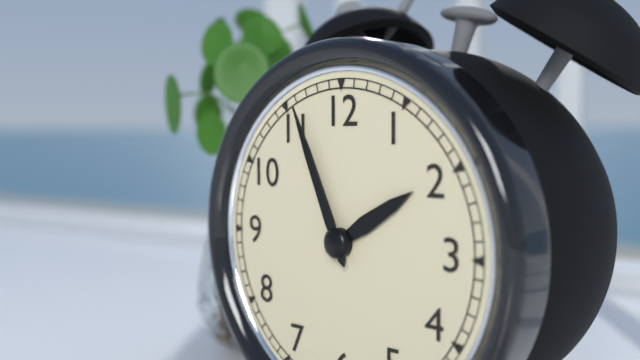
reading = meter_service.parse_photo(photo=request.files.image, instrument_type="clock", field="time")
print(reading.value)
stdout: 1:56
